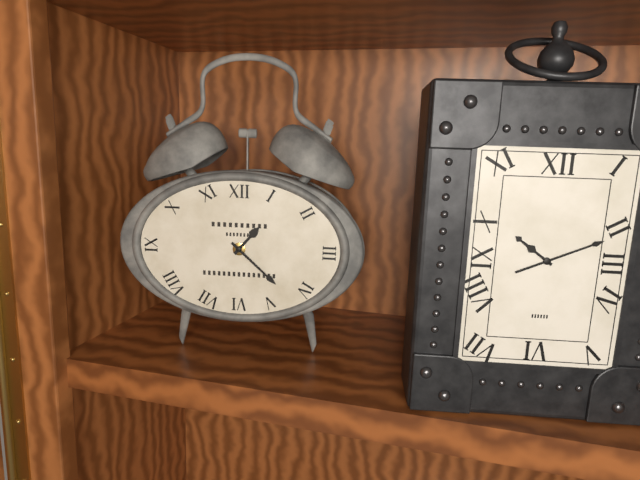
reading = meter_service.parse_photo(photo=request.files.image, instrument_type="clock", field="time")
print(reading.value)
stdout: 1:22
